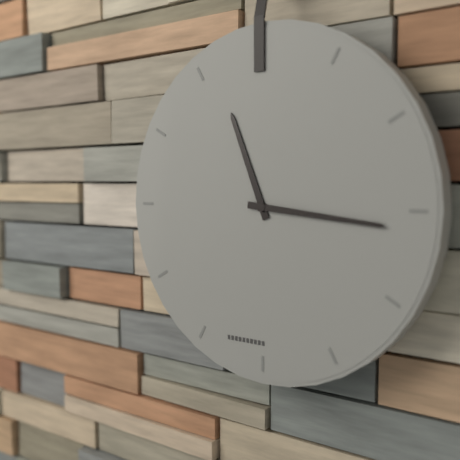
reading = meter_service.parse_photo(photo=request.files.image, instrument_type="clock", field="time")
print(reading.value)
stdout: 11:16
